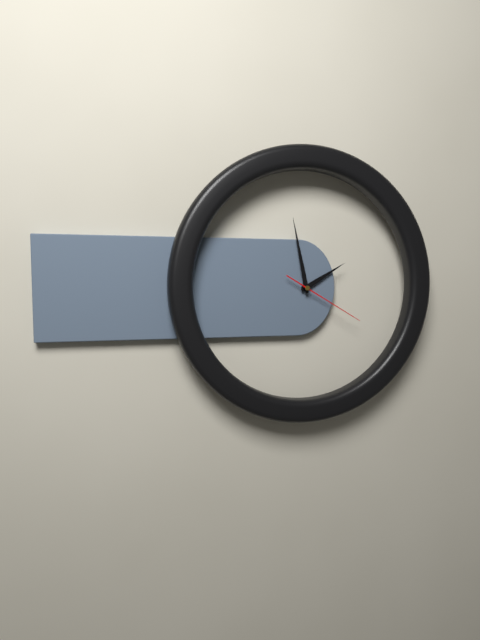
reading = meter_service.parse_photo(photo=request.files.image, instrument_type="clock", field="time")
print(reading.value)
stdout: 1:58:20
